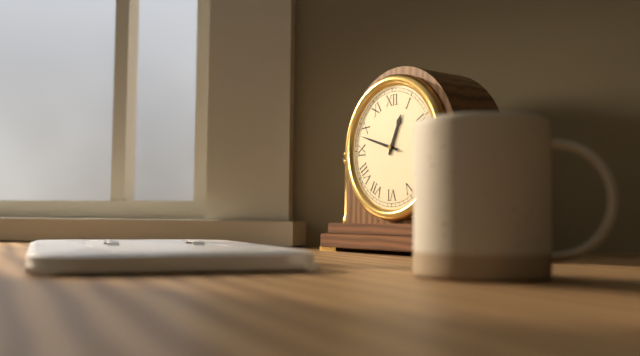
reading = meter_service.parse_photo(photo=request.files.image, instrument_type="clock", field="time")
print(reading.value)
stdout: 12:48
